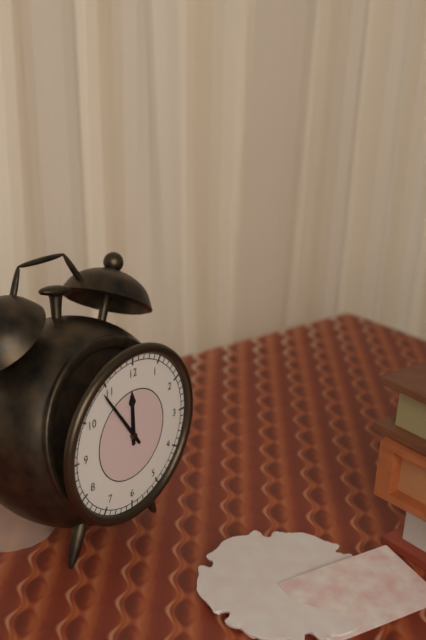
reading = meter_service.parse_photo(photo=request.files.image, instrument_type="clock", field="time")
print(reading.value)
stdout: 11:54
